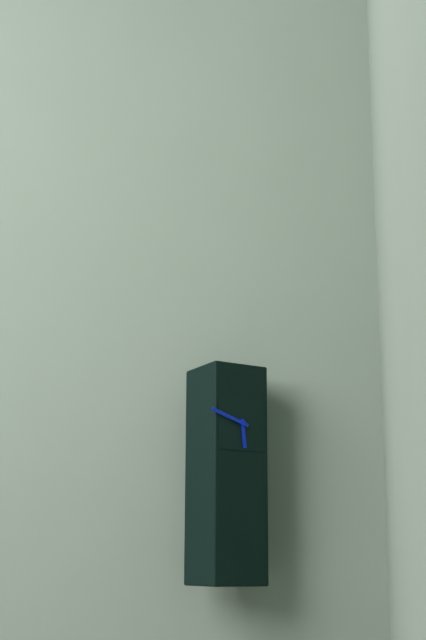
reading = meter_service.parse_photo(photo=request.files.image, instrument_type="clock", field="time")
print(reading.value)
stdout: 5:48
